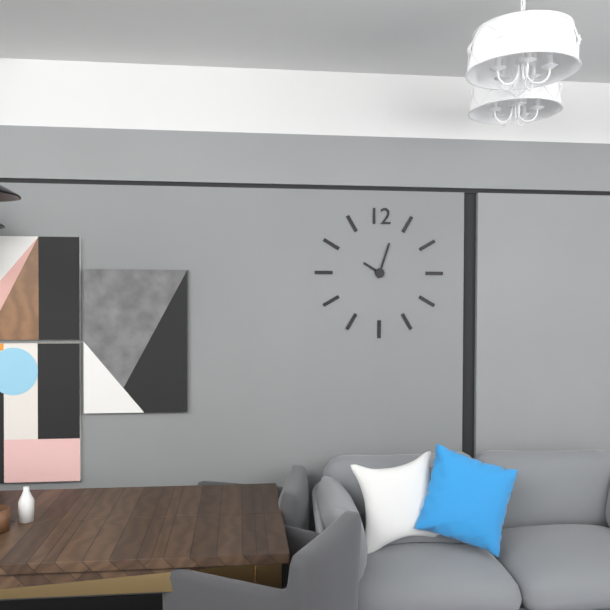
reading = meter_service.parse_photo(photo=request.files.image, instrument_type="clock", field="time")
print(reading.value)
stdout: 10:03
